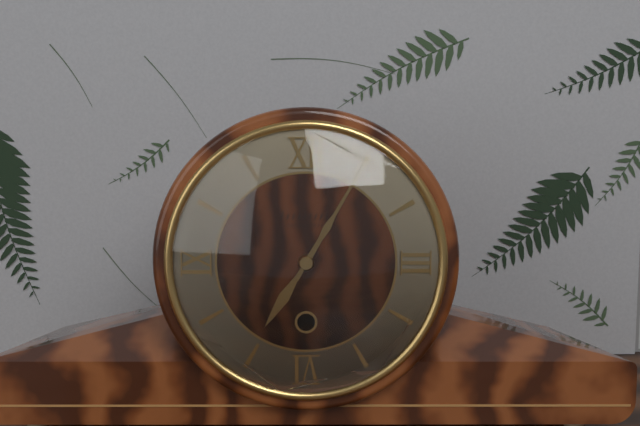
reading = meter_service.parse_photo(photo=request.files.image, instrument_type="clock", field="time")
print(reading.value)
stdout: 7:05
